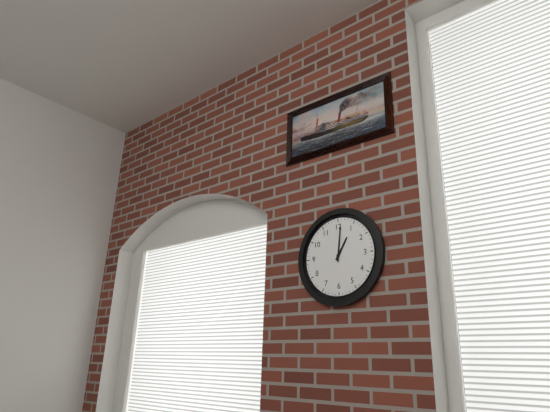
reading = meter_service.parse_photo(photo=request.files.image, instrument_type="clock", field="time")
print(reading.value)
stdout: 1:01
